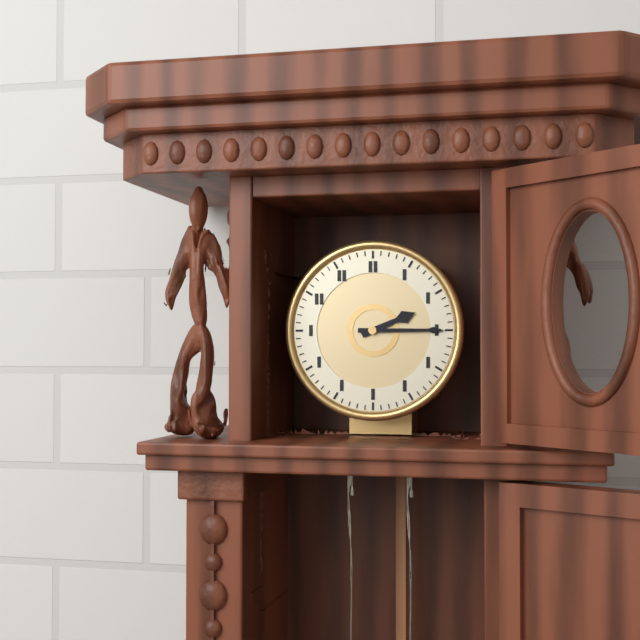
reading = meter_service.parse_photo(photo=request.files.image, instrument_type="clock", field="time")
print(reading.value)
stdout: 2:15
